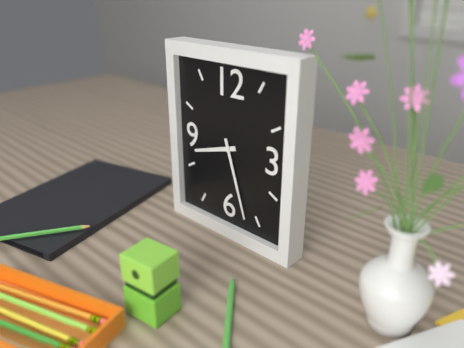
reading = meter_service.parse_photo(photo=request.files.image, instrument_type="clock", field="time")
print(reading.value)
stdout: 8:27
